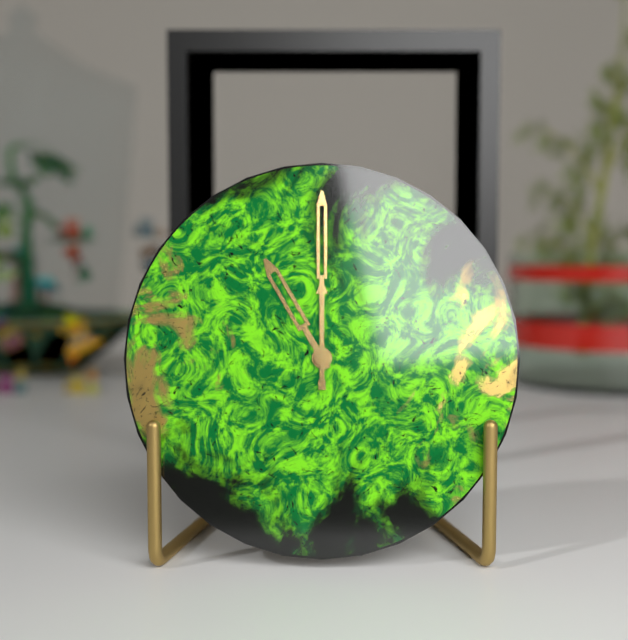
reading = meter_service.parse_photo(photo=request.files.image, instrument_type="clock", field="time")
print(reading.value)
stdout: 11:00
